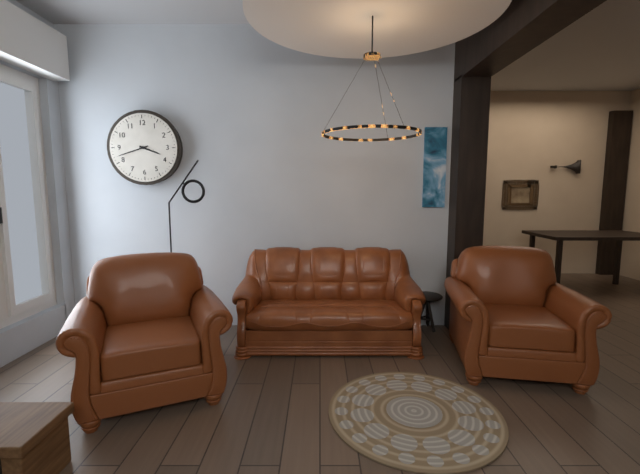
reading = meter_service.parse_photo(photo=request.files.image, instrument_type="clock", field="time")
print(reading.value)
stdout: 3:42
